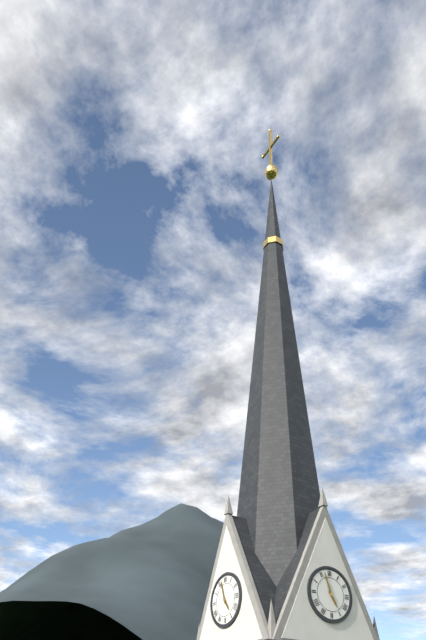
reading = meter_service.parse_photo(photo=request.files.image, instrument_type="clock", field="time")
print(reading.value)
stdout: 4:57
